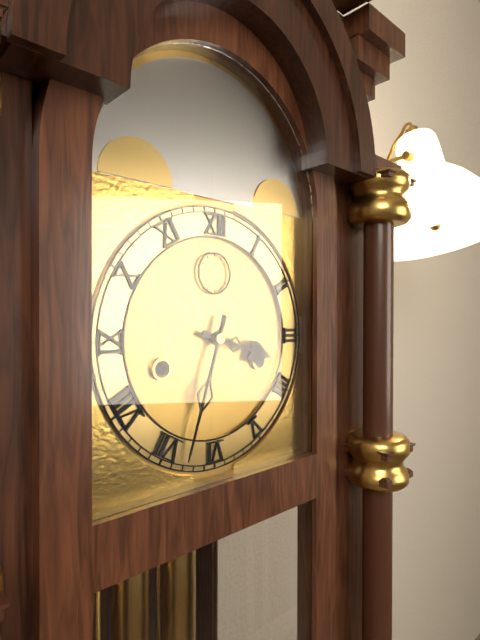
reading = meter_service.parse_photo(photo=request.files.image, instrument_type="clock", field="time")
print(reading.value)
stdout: 3:33
